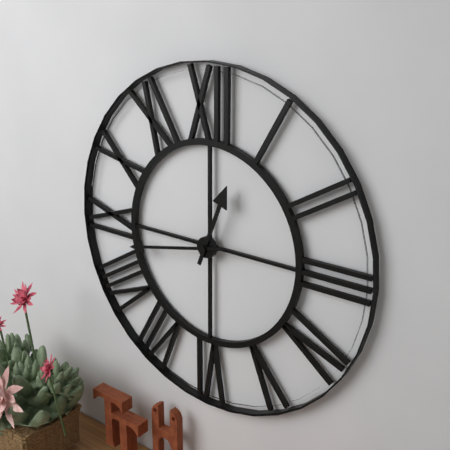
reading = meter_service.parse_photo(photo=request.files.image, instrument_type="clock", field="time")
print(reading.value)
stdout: 12:43
